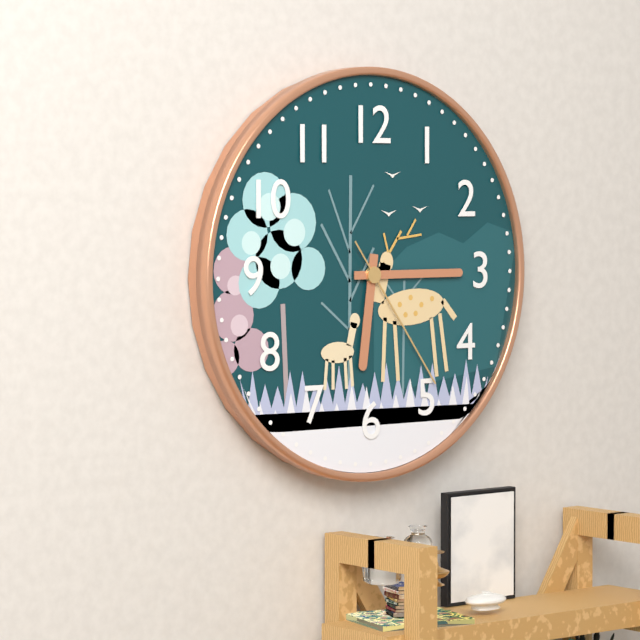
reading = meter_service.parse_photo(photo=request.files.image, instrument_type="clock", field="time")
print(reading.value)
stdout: 6:15:24
